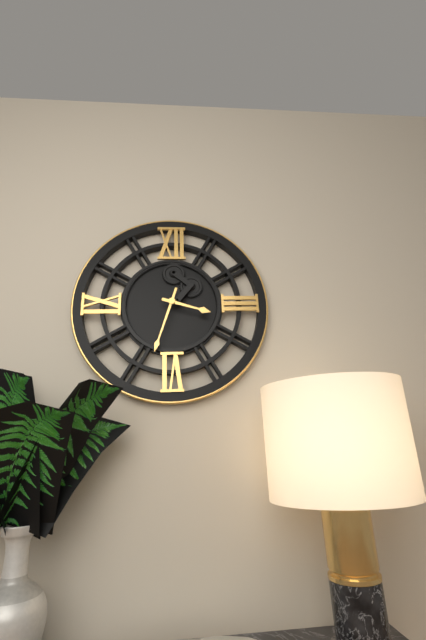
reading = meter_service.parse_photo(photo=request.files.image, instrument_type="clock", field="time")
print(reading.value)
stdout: 3:33
